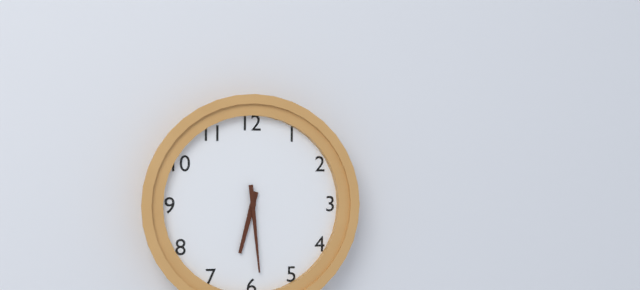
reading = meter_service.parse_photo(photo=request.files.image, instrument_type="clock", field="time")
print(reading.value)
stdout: 6:29
